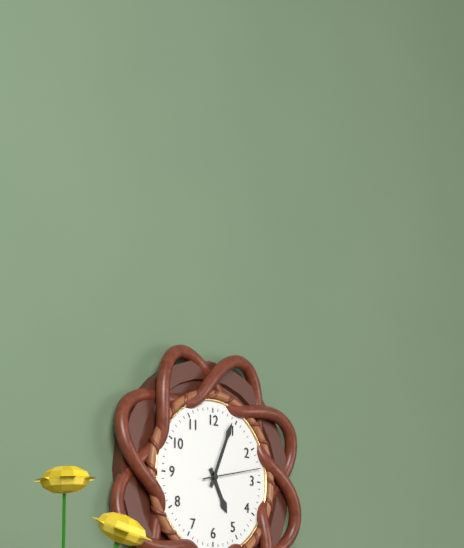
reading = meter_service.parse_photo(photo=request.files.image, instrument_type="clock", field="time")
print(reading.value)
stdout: 5:04:13
